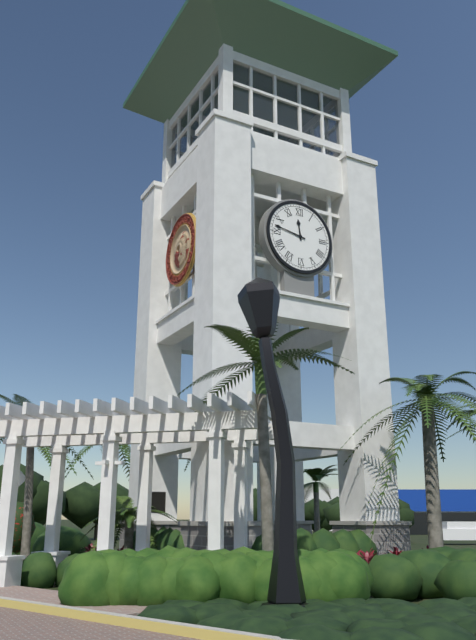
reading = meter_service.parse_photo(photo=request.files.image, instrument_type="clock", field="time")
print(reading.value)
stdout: 11:47
